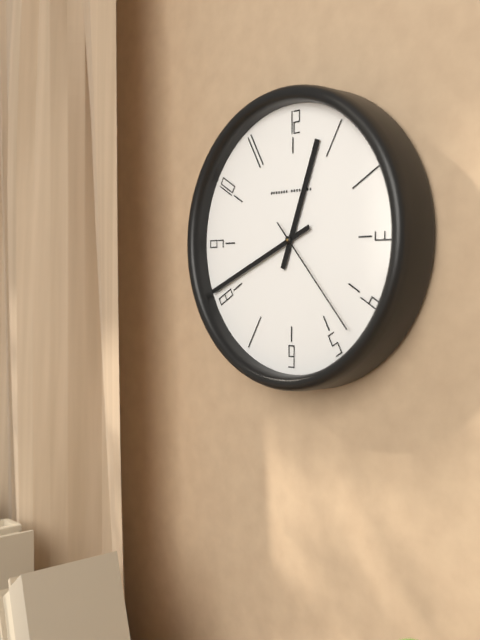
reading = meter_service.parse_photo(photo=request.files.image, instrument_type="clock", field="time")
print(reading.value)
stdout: 12:41:23
